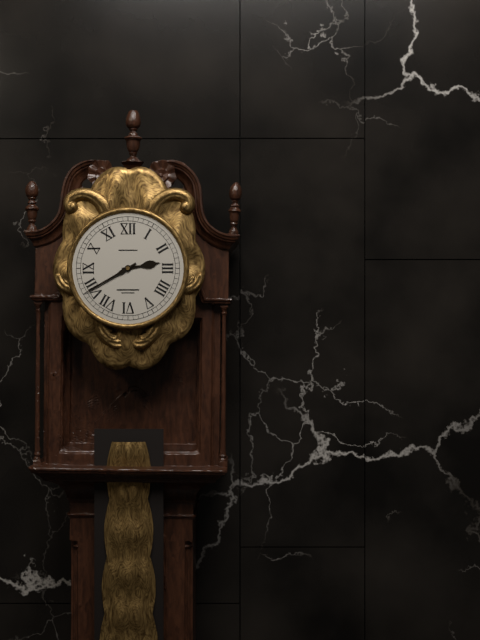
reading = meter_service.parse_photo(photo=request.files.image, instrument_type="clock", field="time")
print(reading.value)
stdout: 2:40
